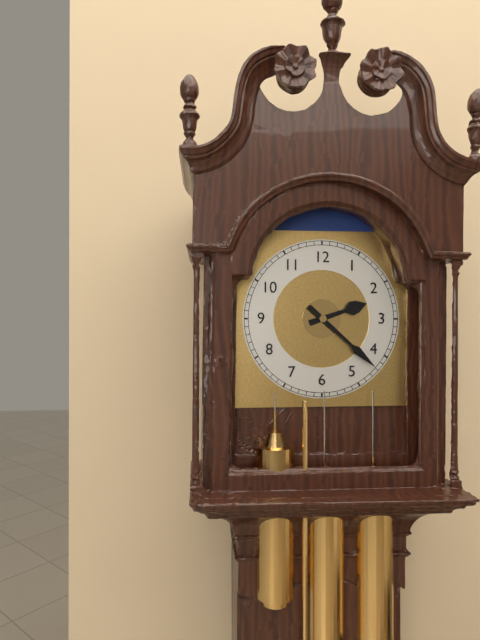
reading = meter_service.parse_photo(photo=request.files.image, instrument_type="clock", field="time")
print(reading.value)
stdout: 2:22
